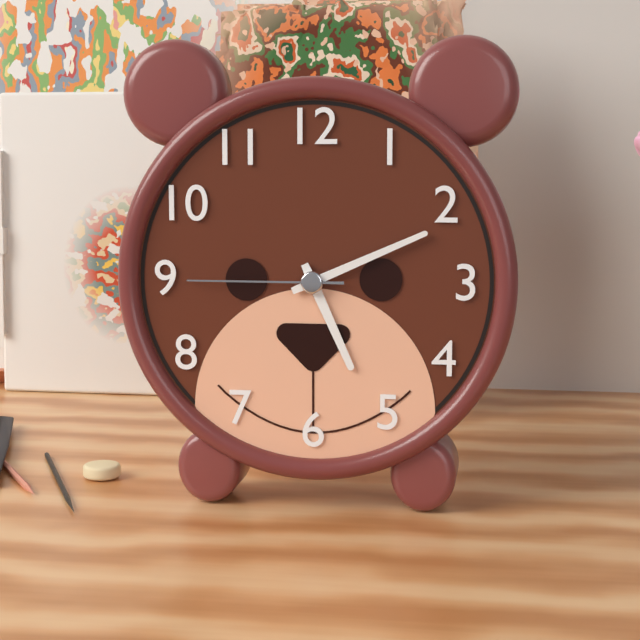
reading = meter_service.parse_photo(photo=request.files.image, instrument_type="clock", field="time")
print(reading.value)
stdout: 5:11:45
